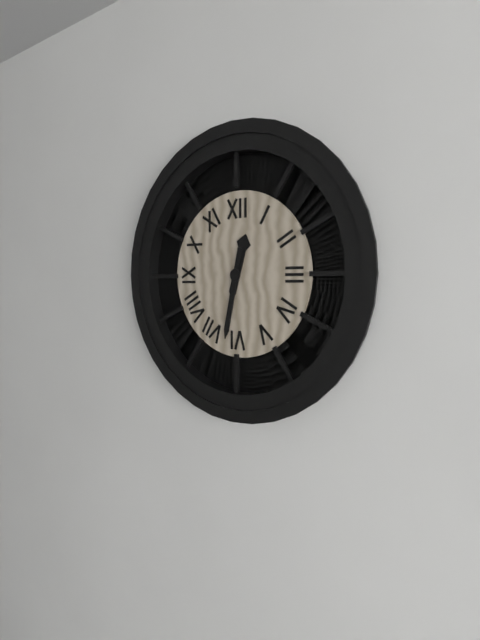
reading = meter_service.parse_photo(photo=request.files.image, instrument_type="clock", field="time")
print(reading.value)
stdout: 12:32
